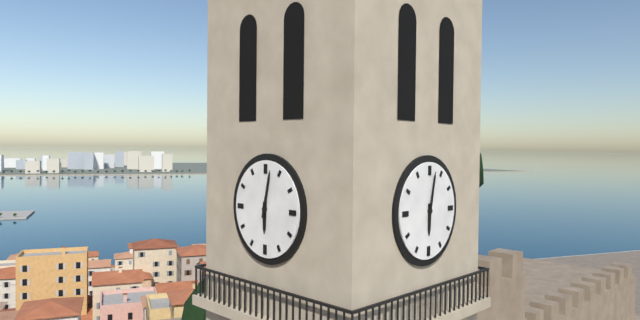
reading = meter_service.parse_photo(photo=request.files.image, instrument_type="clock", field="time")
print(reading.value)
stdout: 6:02
